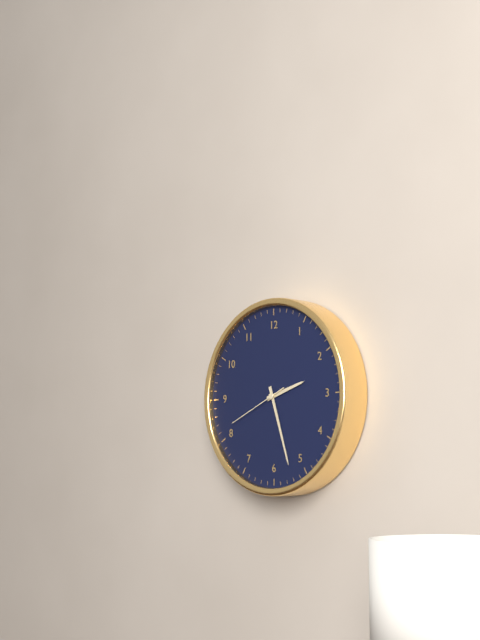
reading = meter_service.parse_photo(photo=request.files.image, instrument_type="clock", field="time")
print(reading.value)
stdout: 2:27:41
